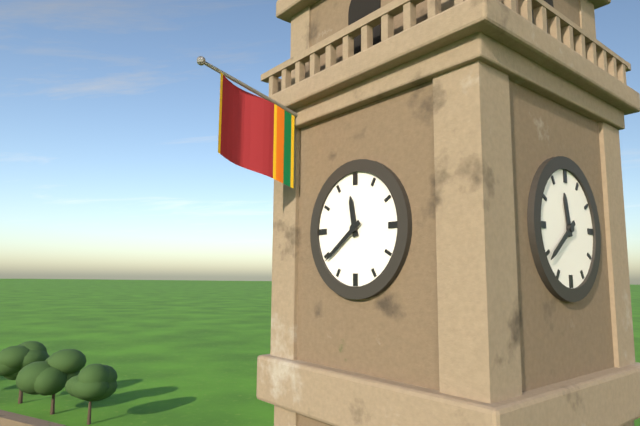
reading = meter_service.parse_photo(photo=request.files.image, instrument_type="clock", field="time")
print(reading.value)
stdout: 11:39
